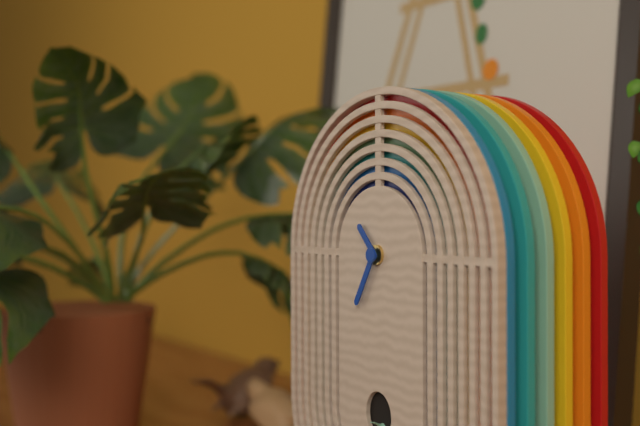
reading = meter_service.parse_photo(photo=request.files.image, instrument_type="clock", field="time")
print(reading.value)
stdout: 10:35
